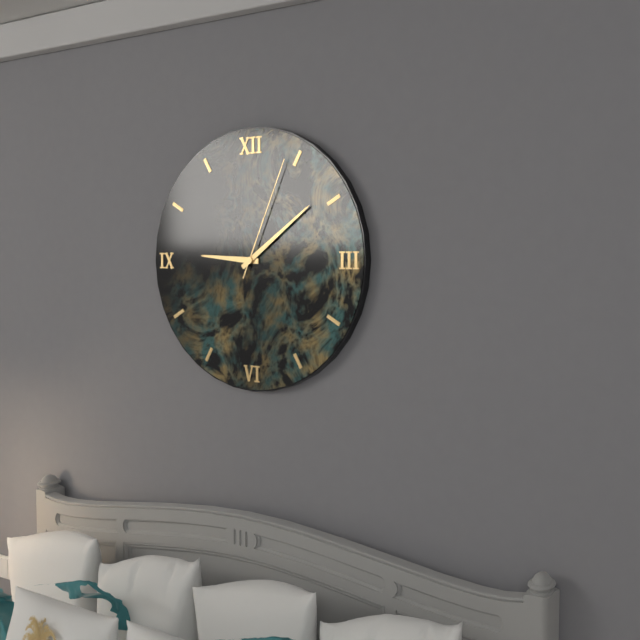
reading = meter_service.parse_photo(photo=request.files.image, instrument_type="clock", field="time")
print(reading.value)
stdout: 9:09:04
